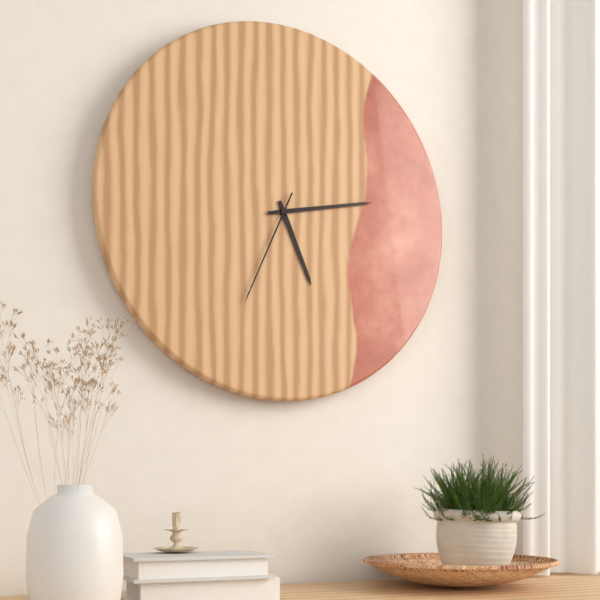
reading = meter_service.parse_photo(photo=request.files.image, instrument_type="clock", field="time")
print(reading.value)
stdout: 5:13:34
